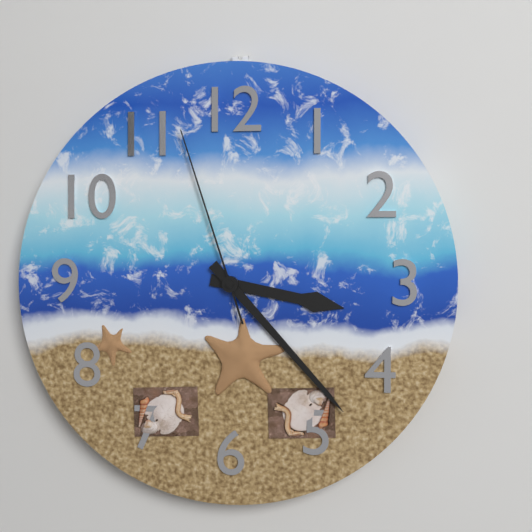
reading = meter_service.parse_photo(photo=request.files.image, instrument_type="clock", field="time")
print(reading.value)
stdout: 3:23:57
